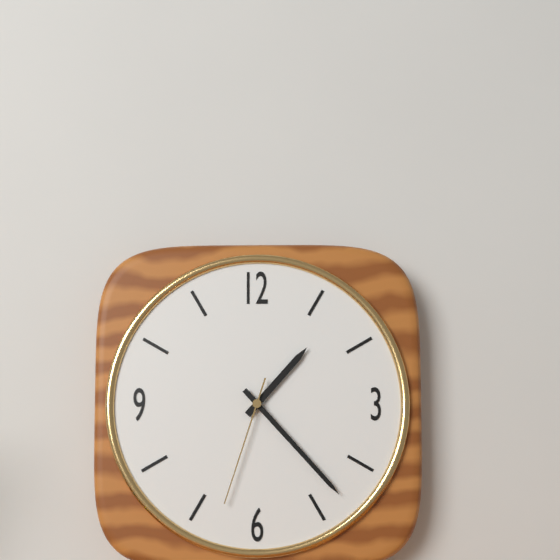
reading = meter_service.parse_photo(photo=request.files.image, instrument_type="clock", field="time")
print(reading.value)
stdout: 1:23:33
